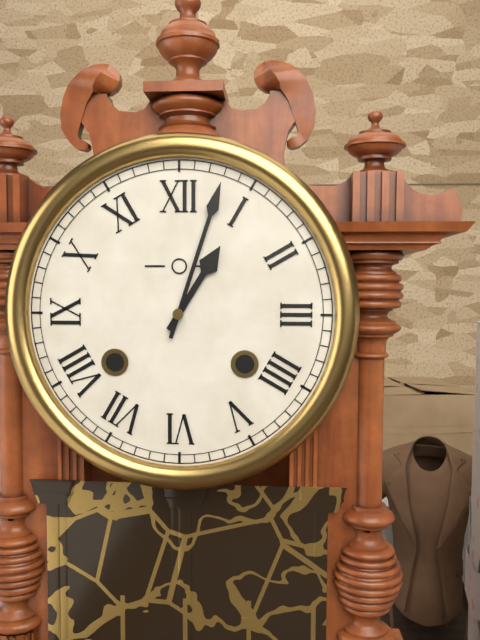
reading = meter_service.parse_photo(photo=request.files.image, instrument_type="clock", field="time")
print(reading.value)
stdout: 1:03
